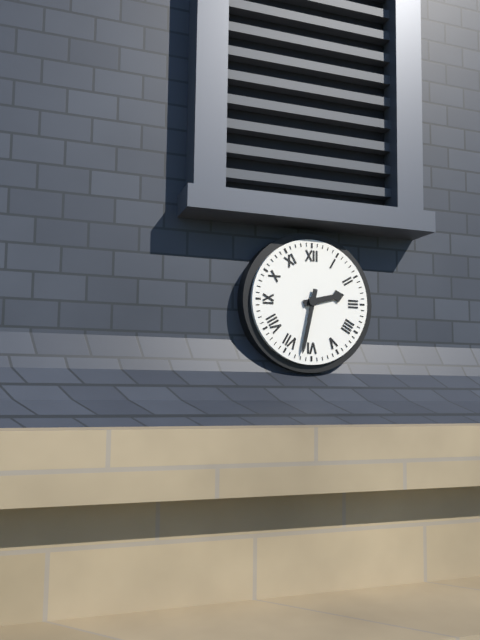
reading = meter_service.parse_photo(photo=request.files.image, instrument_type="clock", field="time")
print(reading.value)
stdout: 2:32
